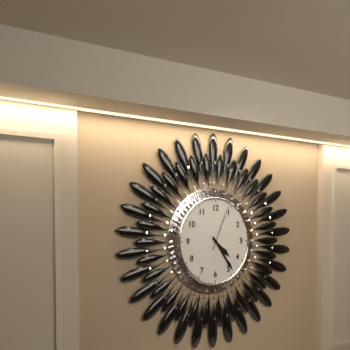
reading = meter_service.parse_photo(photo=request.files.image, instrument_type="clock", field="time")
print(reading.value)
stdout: 4:24
